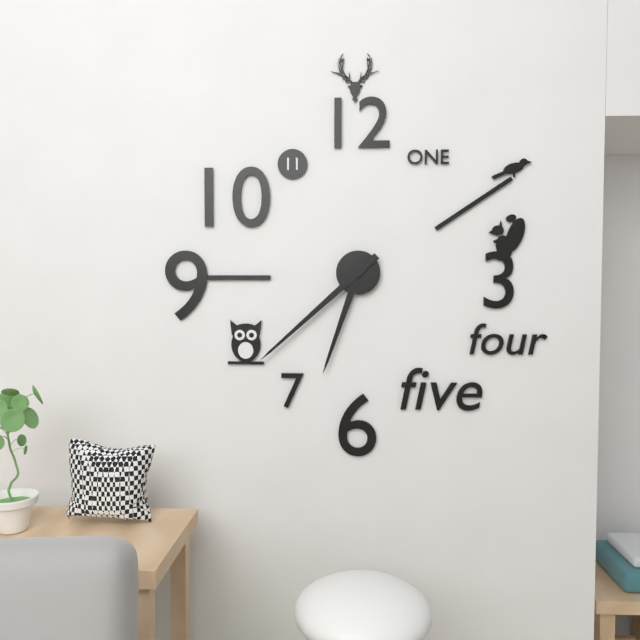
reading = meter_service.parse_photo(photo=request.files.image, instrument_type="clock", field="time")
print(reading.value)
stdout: 6:38
